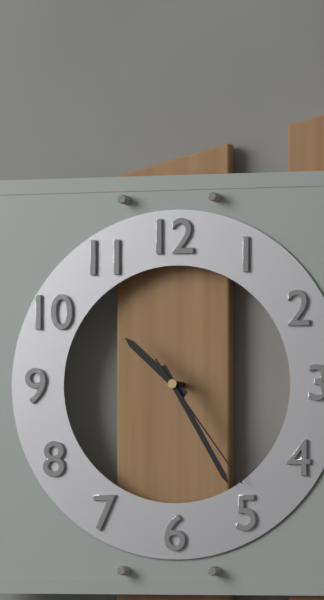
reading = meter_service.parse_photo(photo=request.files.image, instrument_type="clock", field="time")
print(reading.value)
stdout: 10:25:24
